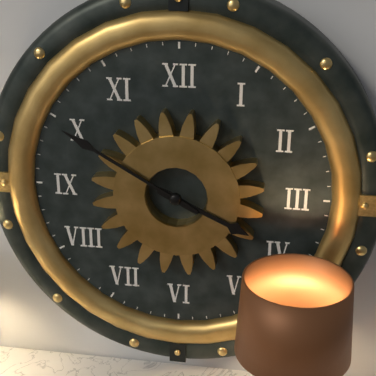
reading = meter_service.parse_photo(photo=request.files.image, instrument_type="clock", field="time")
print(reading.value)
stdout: 3:50
